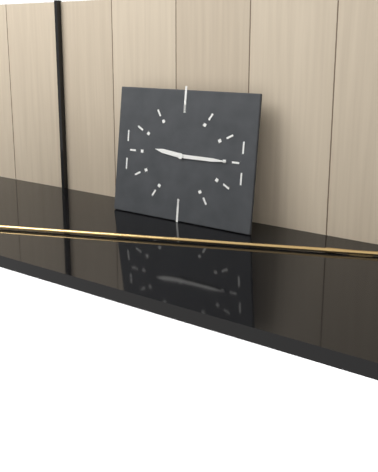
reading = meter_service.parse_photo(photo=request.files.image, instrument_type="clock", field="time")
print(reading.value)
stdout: 9:15
